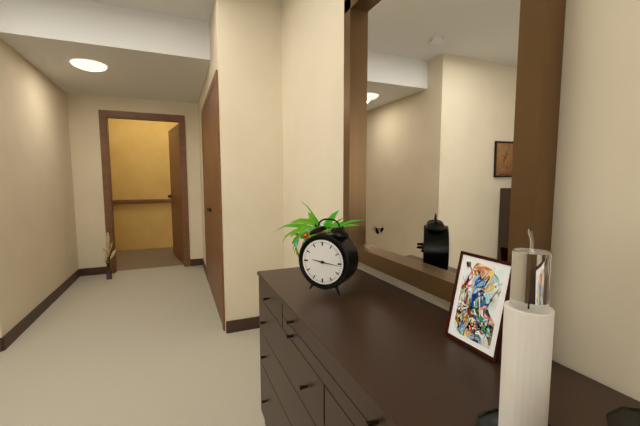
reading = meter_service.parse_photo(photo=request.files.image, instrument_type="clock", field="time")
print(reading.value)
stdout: 9:16
